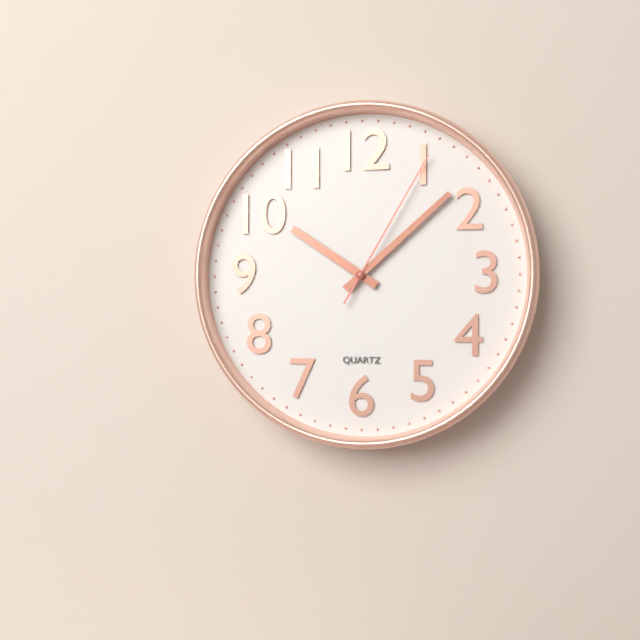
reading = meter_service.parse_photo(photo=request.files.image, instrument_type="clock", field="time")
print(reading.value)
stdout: 10:08:05
